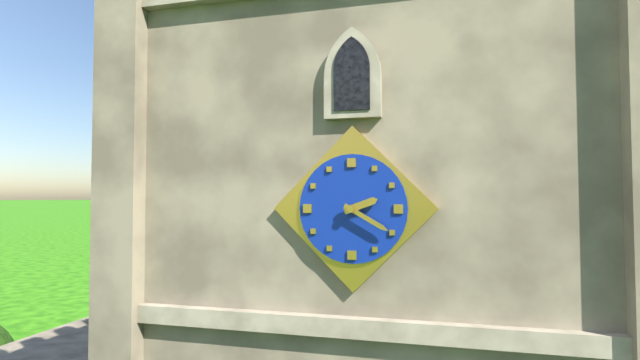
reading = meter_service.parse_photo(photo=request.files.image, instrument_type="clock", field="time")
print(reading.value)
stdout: 2:20
